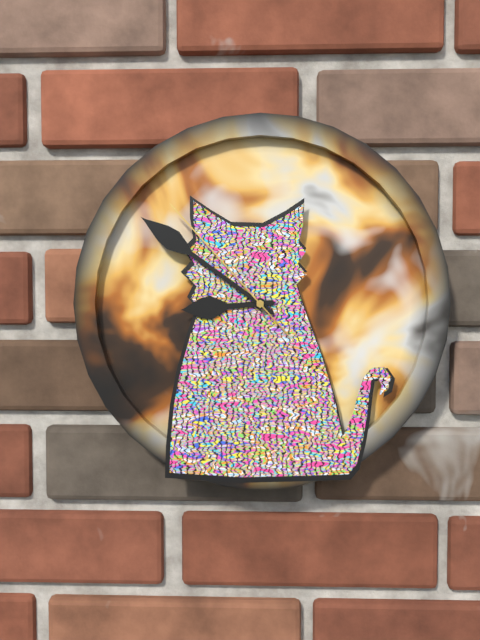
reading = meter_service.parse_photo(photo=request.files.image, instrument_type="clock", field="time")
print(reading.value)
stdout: 8:51:53
